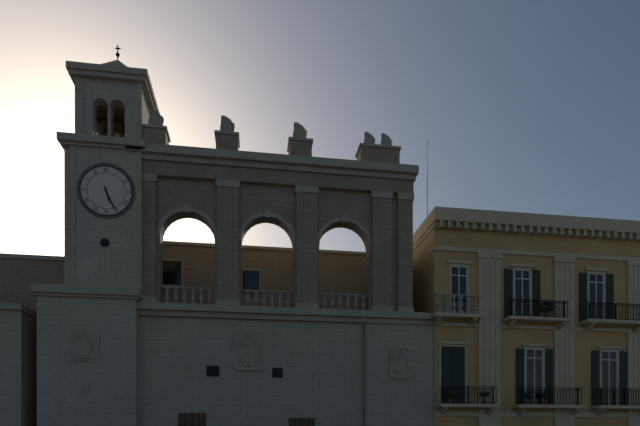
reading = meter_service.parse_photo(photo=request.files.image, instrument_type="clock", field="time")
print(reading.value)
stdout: 5:26
